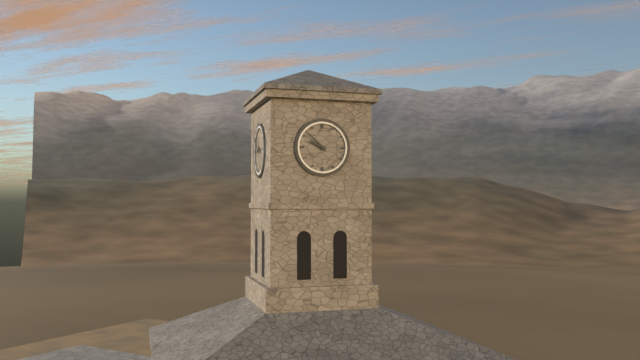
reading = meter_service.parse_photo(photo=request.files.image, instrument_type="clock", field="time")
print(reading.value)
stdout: 9:52
